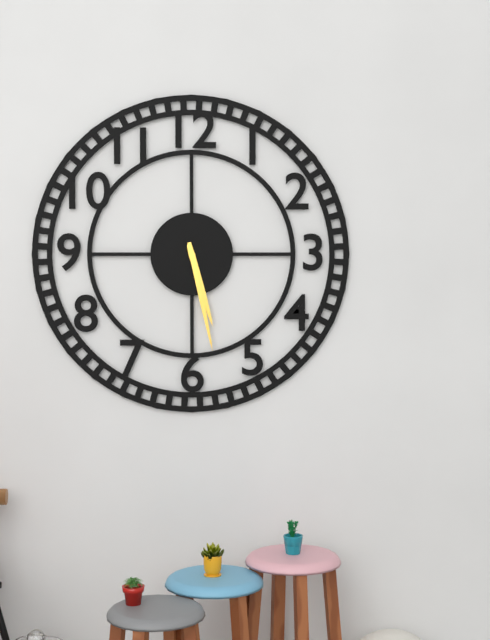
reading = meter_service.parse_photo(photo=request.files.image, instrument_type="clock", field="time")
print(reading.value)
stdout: 5:28
